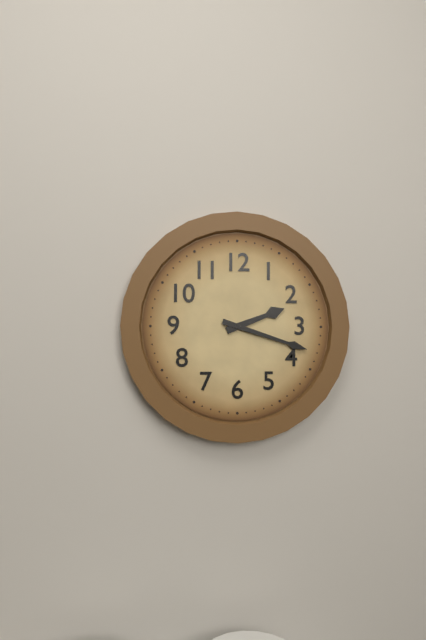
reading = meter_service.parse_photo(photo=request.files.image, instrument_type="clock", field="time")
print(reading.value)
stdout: 2:18
